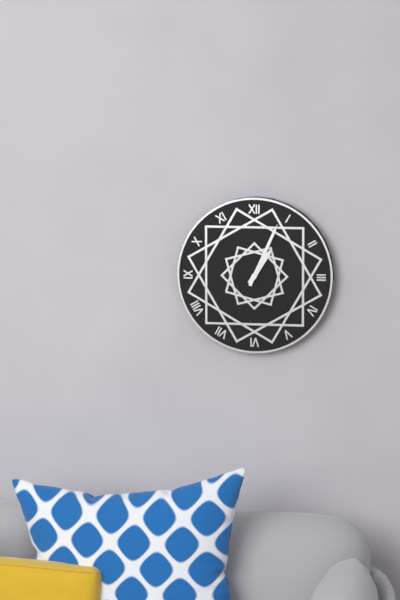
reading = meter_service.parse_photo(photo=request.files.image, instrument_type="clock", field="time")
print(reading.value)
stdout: 1:04
